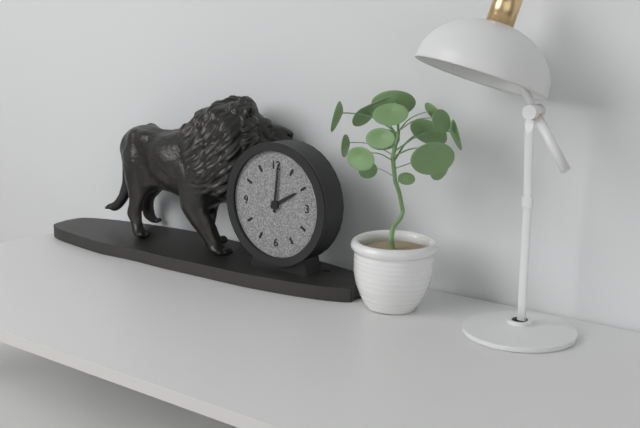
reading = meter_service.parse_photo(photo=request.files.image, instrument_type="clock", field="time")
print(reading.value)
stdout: 2:01
